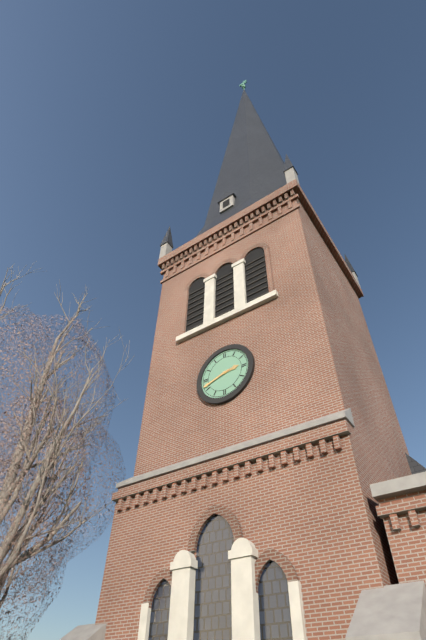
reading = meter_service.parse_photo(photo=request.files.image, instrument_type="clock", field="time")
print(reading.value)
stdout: 2:42
